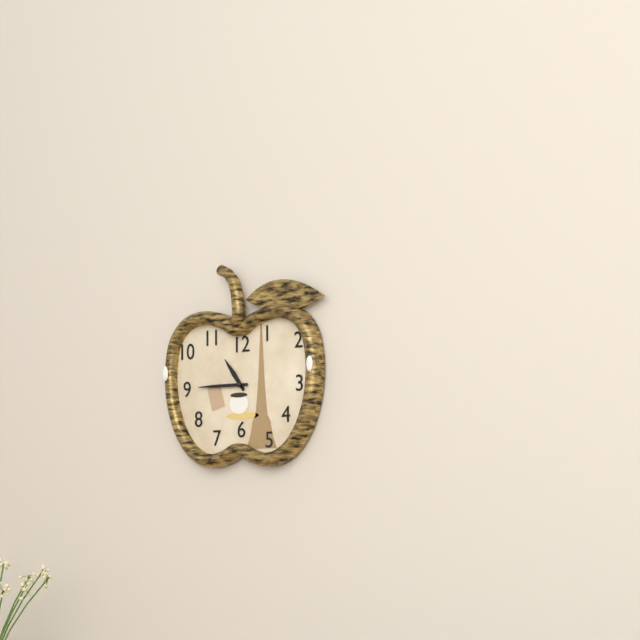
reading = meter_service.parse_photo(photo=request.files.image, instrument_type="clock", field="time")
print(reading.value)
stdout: 10:45
